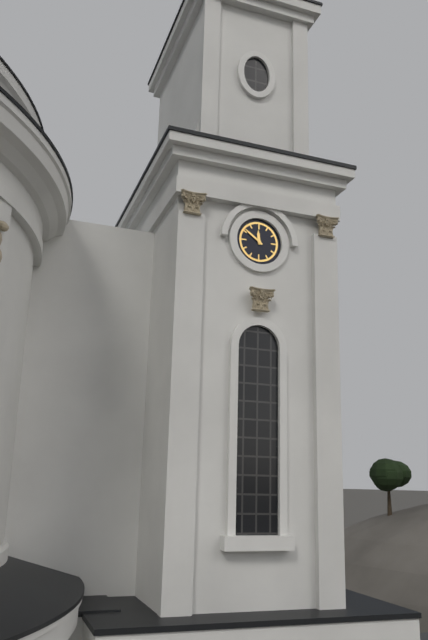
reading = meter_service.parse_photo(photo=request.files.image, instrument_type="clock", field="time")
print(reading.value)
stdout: 11:51
